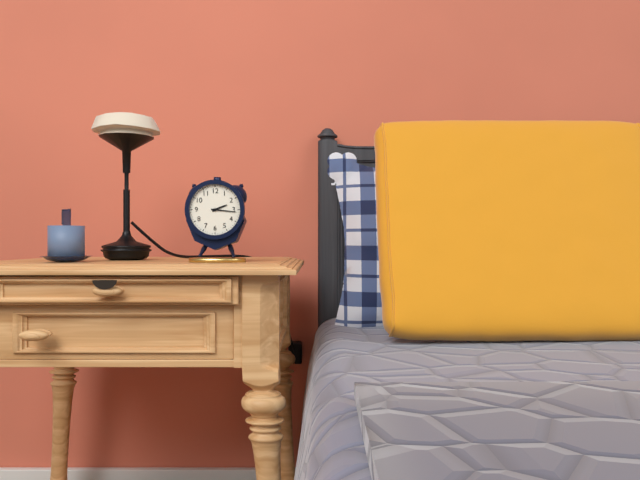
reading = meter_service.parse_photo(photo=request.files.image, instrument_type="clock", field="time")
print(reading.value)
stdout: 2:16
